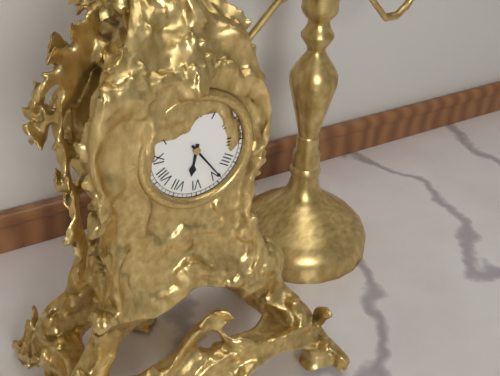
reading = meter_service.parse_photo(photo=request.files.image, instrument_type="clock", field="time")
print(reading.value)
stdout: 6:24
